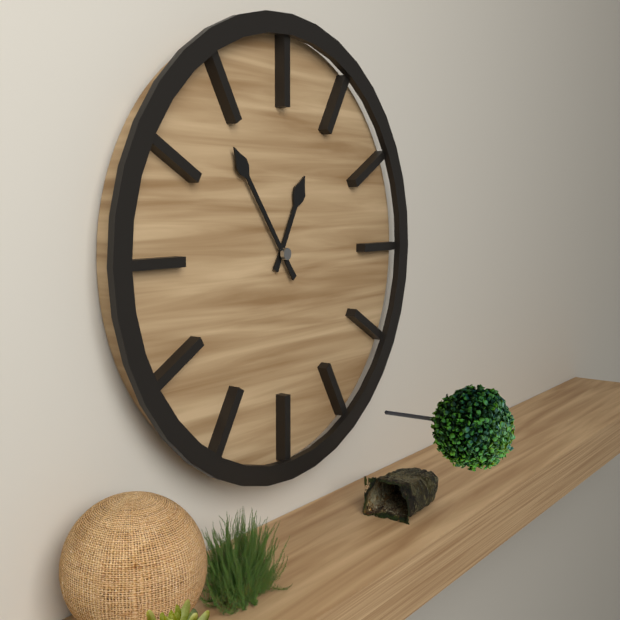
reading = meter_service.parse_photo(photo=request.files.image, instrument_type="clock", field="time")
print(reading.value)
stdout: 12:54
